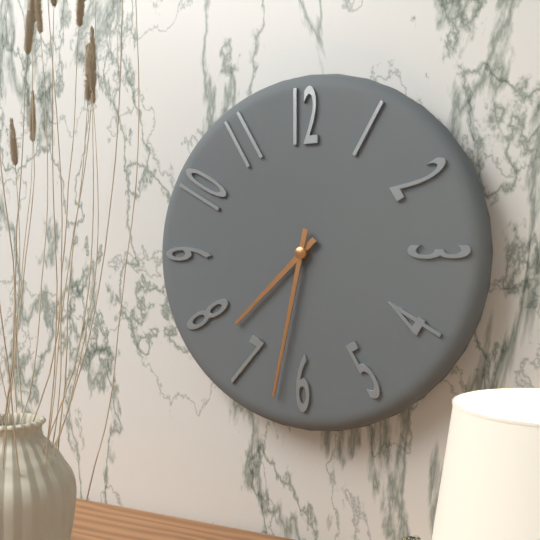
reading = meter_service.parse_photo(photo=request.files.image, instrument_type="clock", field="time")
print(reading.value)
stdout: 7:32
